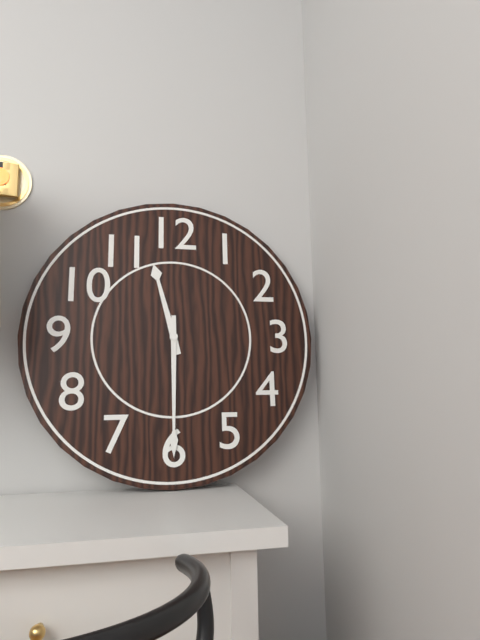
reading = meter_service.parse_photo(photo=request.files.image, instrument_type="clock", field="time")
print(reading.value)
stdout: 11:30
